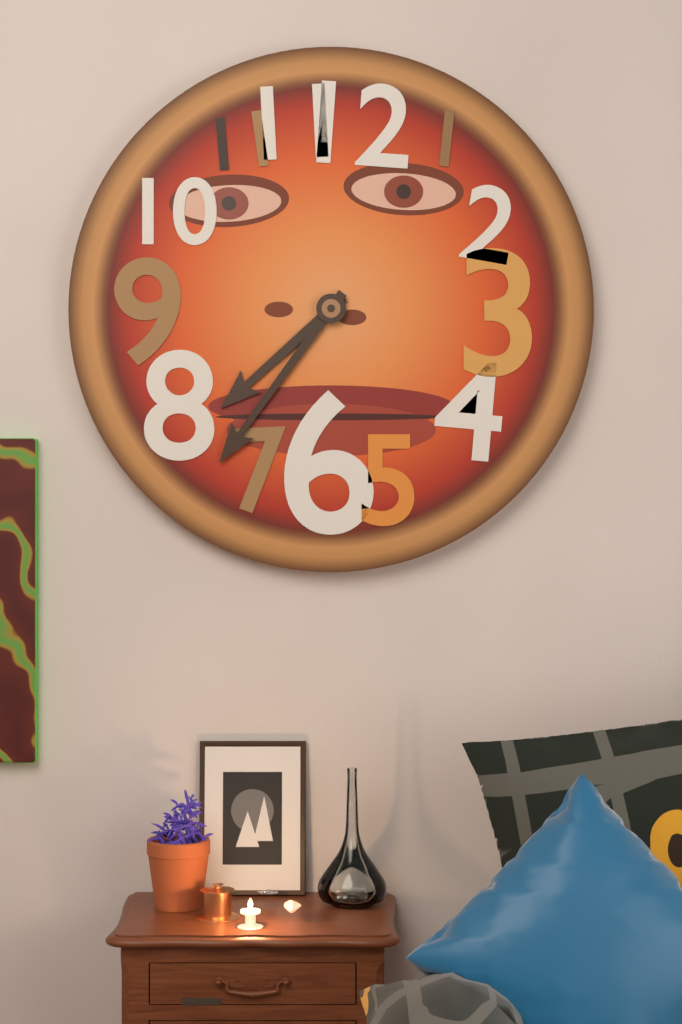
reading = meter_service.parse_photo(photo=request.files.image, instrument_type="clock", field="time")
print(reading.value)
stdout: 7:36
